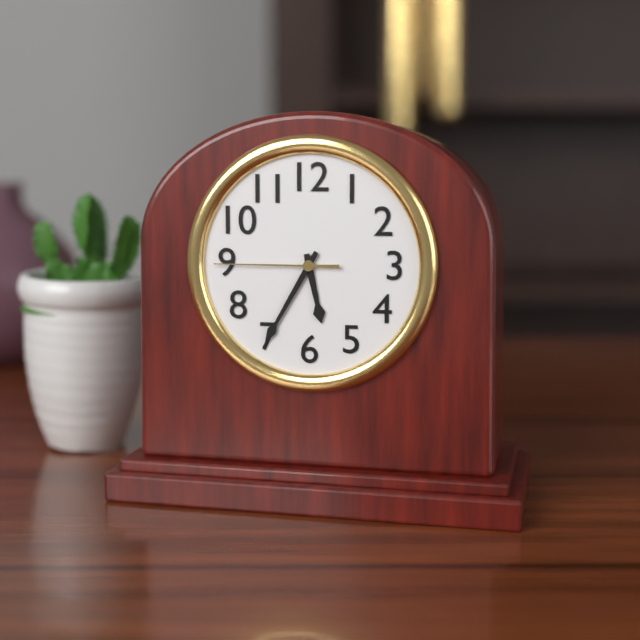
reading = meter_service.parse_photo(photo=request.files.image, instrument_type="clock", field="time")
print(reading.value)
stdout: 5:35:45
